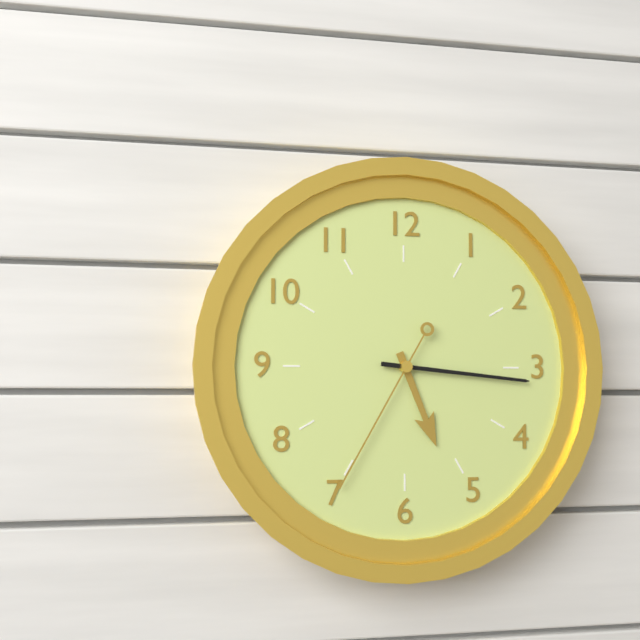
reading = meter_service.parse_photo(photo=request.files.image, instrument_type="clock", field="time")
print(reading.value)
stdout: 5:16:35
